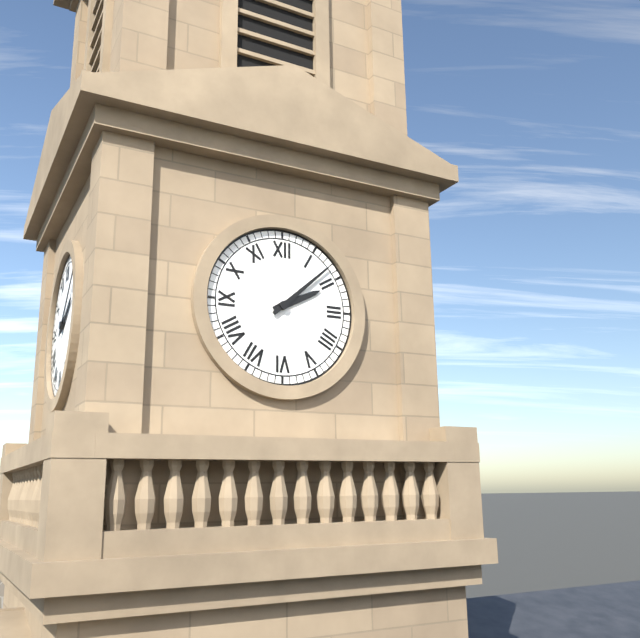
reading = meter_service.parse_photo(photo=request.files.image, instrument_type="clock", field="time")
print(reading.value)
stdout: 2:08
